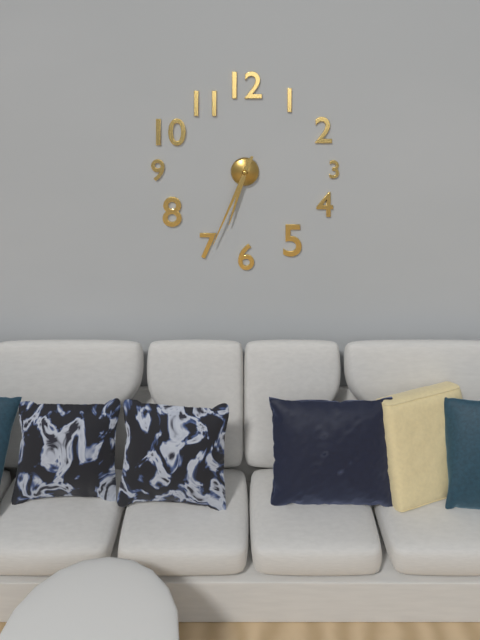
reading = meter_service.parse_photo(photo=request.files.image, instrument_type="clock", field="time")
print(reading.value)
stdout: 6:34
